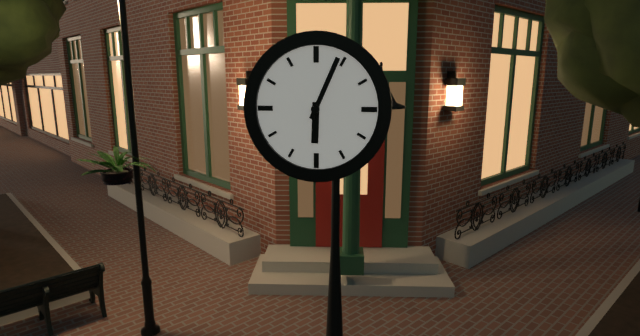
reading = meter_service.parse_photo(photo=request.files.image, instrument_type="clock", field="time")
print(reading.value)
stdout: 6:04
